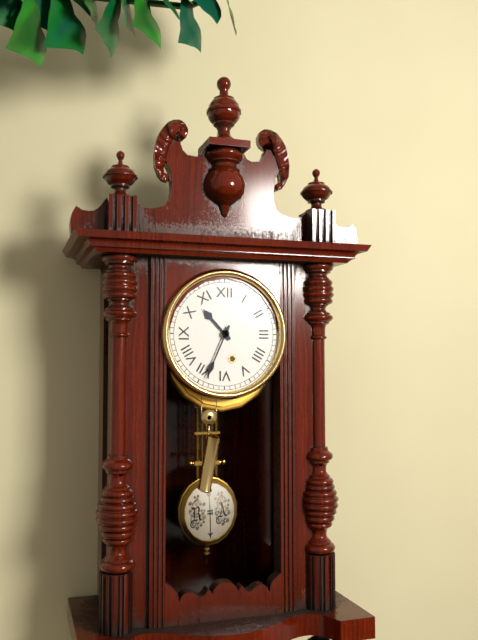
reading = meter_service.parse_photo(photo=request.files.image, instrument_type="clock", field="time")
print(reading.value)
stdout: 10:34
